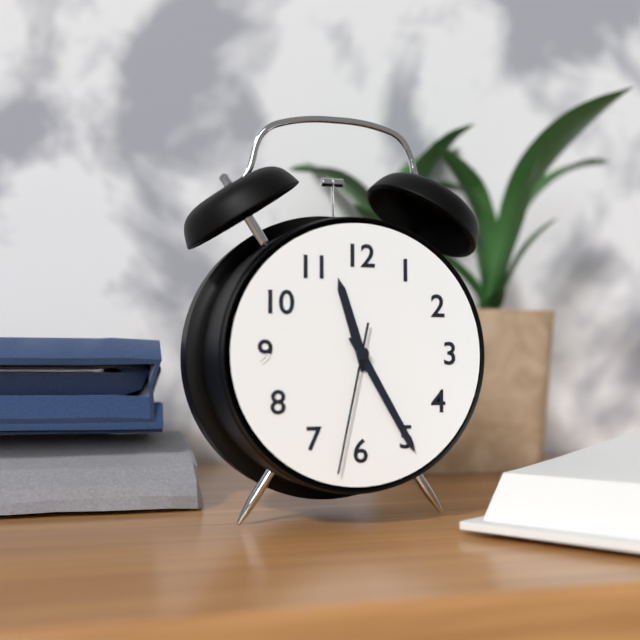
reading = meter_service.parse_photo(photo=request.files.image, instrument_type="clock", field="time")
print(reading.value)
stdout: 11:25:32
